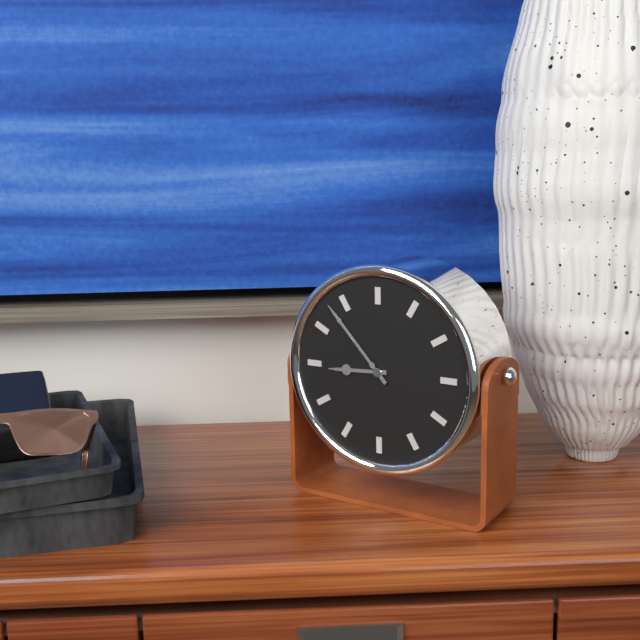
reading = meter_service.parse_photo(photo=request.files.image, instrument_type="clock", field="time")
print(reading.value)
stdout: 8:53
